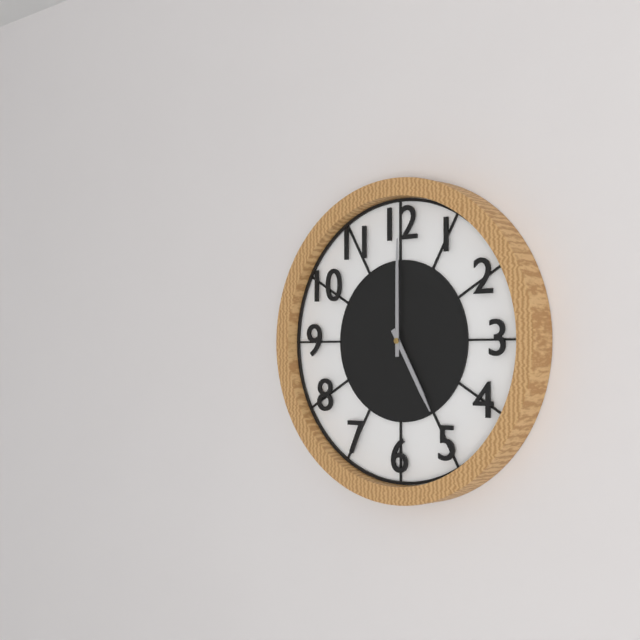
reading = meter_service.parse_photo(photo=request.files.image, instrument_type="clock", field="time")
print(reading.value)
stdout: 5:00
